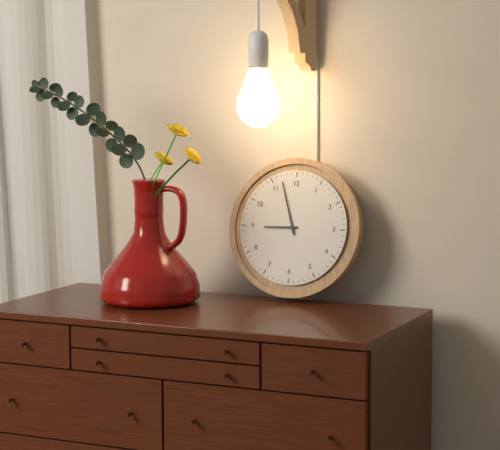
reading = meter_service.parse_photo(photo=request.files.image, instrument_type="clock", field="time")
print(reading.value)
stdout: 8:57
